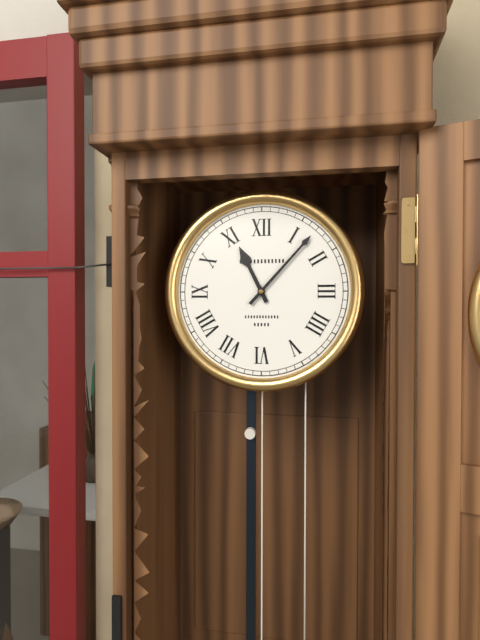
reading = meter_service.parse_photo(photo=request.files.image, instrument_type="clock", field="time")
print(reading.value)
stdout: 11:07
